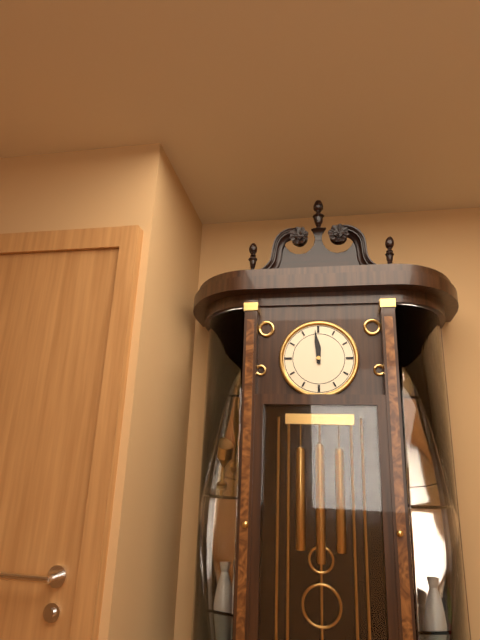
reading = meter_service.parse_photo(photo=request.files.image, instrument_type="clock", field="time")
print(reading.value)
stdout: 11:59
